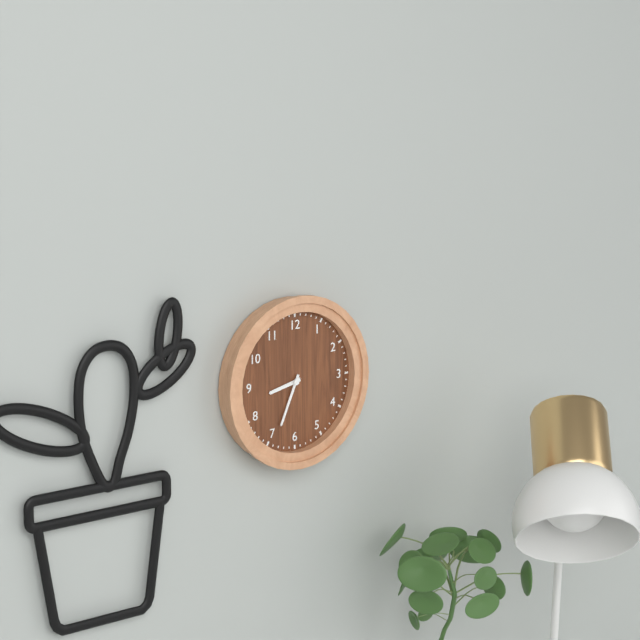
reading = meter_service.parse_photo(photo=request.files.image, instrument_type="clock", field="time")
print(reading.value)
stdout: 8:34
